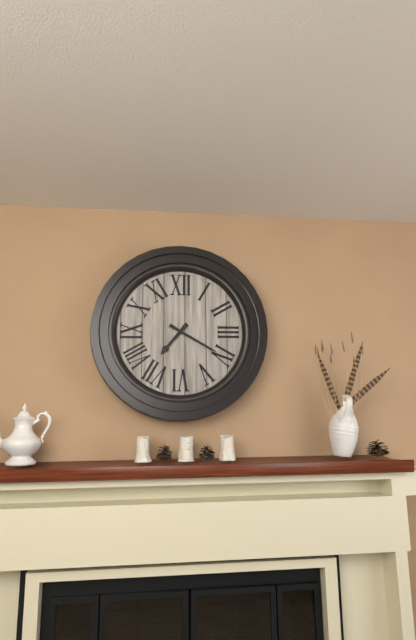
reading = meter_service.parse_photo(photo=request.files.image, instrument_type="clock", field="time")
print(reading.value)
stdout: 7:20
